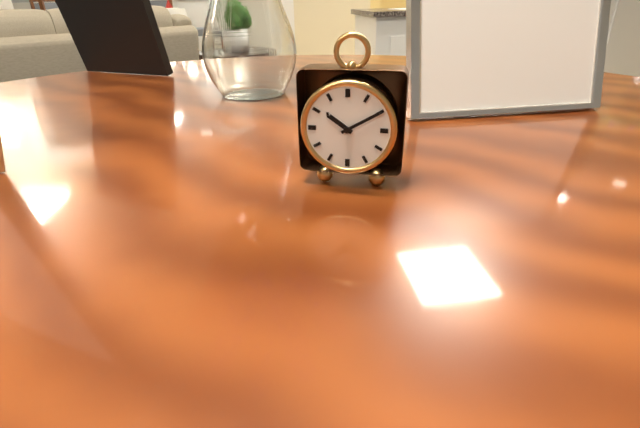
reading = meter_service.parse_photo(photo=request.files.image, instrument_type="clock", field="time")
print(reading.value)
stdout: 10:10
